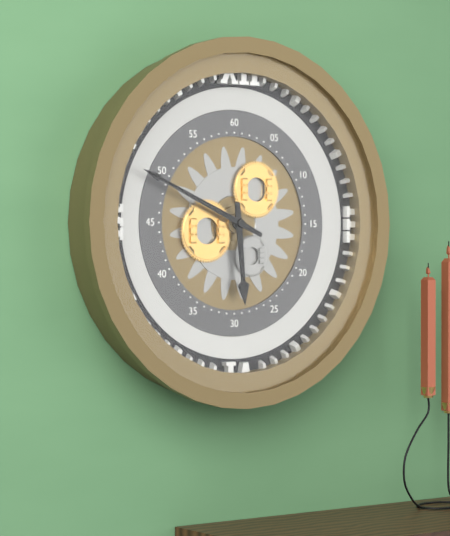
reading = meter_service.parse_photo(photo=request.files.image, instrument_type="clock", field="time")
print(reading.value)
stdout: 5:49
